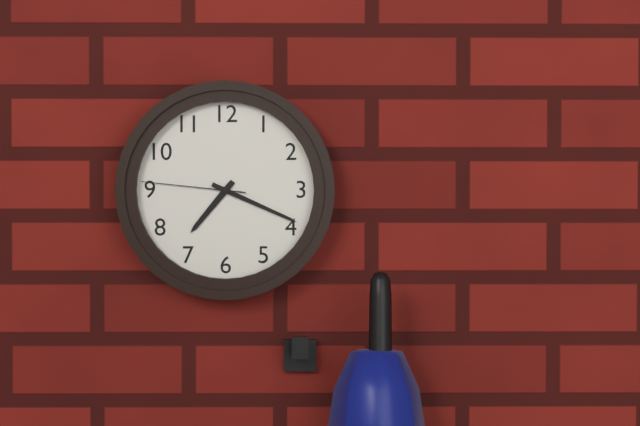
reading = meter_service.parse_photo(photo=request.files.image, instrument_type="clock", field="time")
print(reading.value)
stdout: 7:19:46
